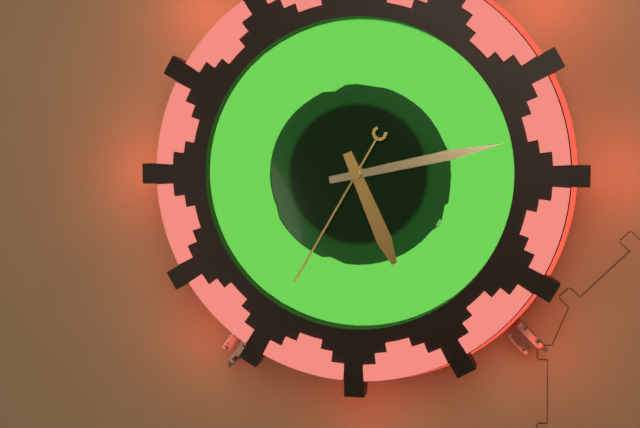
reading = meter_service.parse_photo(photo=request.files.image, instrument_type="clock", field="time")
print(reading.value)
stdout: 5:13:35
